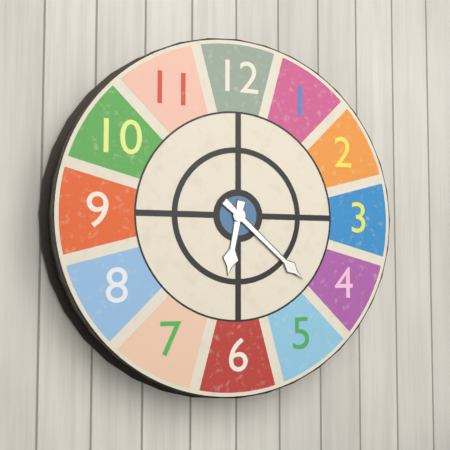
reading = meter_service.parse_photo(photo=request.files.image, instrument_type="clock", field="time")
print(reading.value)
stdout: 6:22
